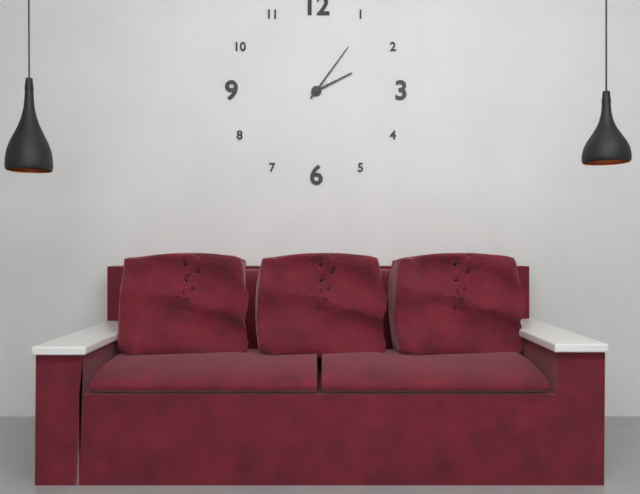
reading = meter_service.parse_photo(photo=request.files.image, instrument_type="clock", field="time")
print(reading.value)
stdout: 2:06
